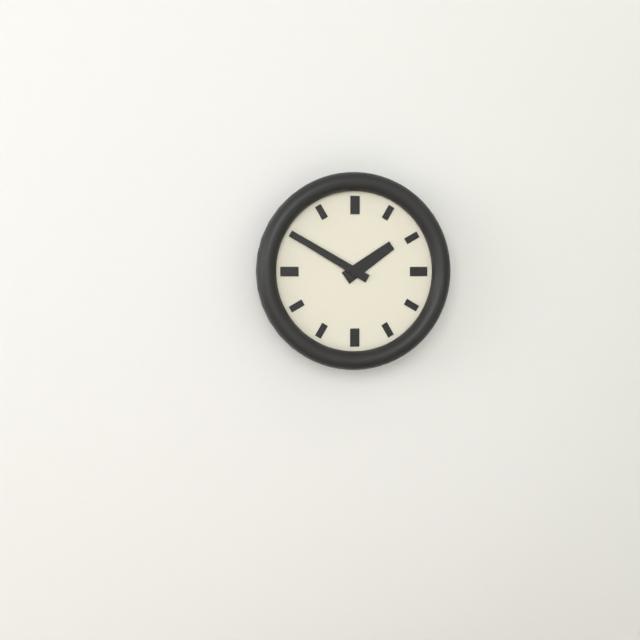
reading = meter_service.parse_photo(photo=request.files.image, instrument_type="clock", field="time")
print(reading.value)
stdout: 1:50
